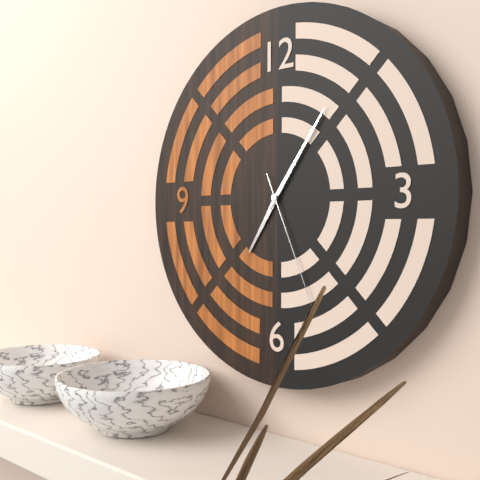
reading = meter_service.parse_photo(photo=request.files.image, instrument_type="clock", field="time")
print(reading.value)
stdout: 7:06:26
